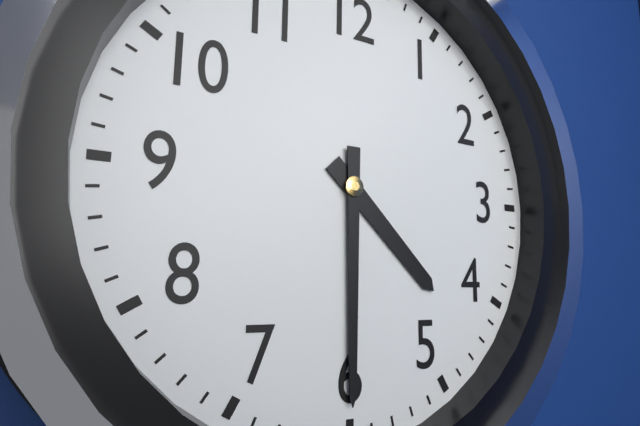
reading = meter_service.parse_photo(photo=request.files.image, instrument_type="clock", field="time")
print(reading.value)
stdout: 4:30
